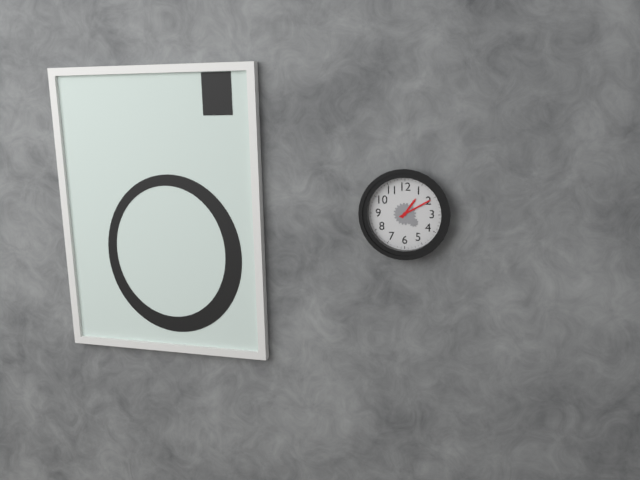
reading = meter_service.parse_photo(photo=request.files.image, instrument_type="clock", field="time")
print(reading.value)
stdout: 1:10
